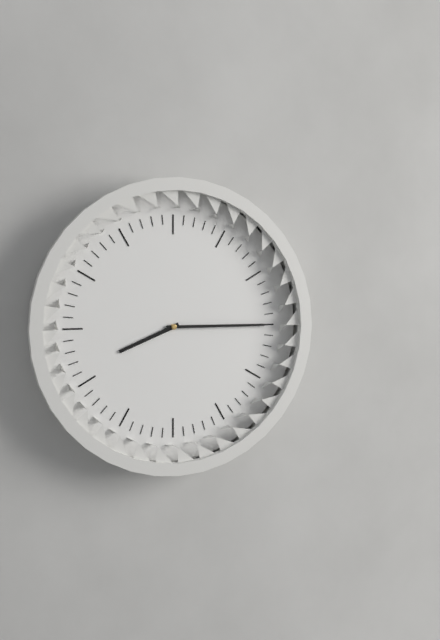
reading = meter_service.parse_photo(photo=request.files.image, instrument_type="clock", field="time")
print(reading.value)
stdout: 8:15
